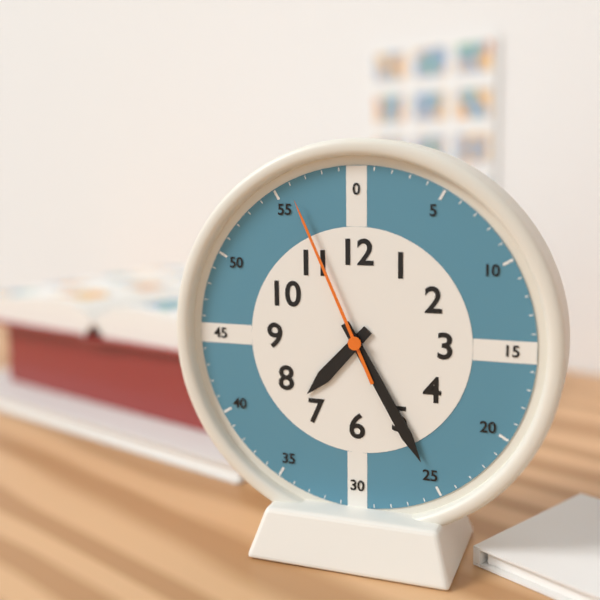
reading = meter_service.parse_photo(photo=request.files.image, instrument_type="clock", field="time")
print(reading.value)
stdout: 7:25:56
